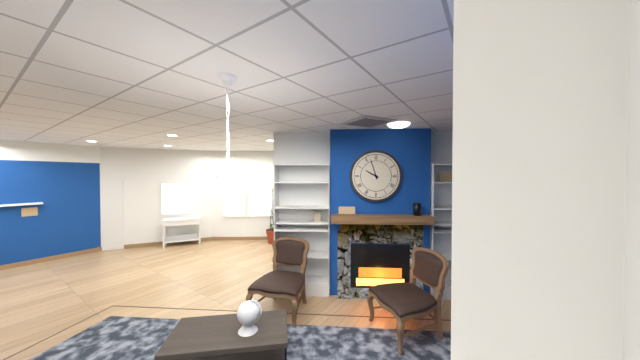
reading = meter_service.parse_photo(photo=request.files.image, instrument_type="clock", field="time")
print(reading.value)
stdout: 9:57
